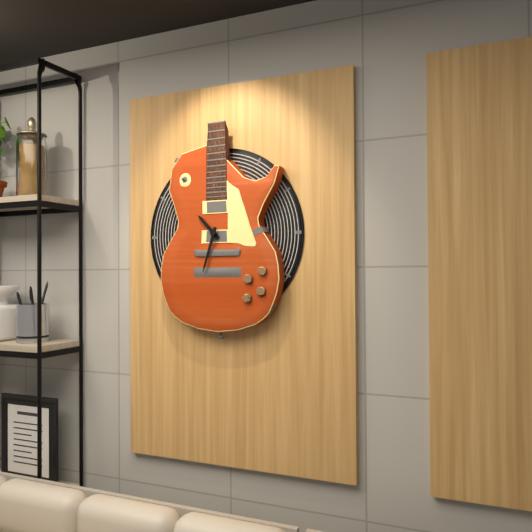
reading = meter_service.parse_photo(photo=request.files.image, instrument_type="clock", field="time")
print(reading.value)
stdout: 10:33
